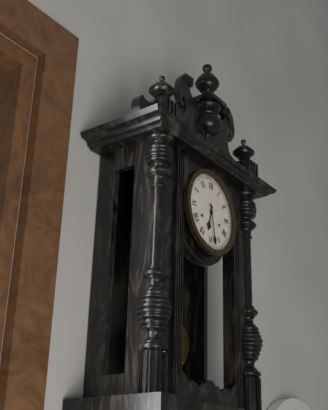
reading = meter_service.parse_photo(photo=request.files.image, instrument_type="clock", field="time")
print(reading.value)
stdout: 6:28
